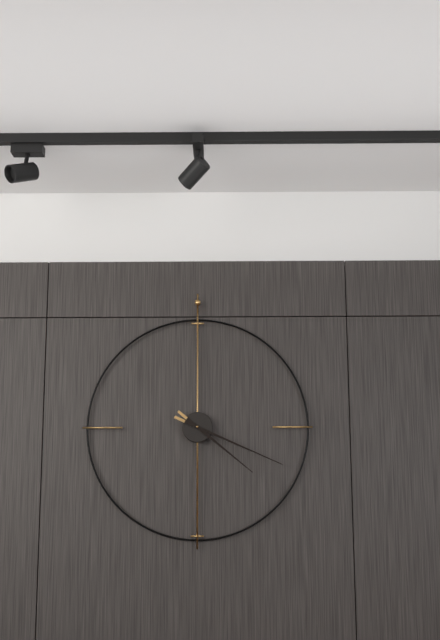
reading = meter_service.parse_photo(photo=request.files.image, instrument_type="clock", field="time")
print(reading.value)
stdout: 4:19
